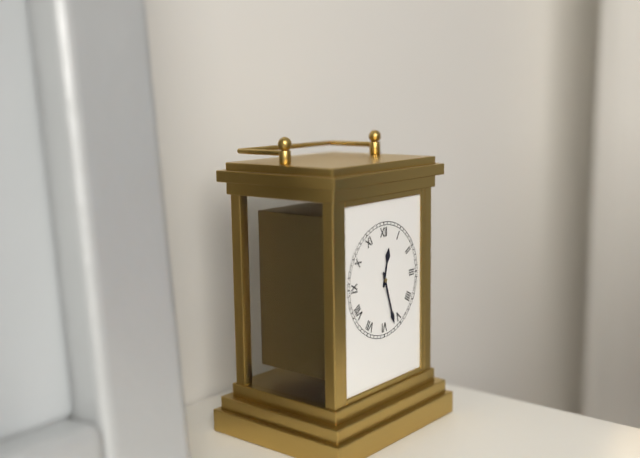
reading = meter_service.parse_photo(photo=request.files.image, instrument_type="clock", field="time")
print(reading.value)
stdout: 12:27
